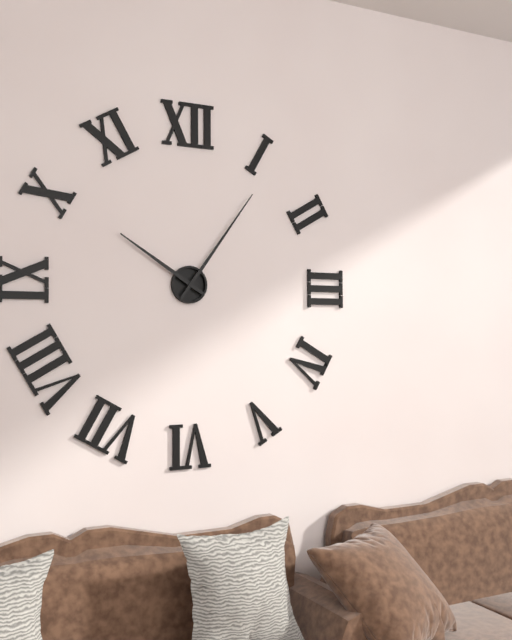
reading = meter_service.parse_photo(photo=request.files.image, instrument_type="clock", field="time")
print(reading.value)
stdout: 10:06
